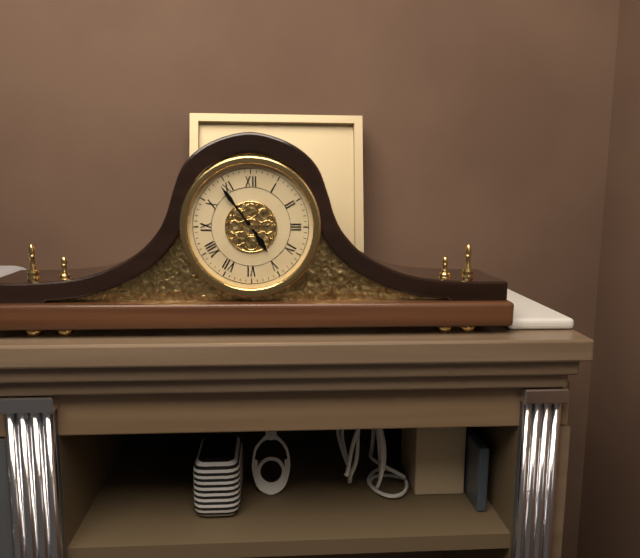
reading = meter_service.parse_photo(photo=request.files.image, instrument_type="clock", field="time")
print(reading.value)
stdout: 4:54
